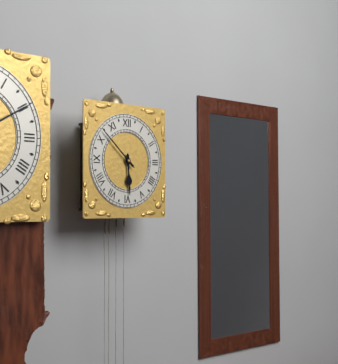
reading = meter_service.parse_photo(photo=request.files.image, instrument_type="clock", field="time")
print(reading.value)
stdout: 5:52
